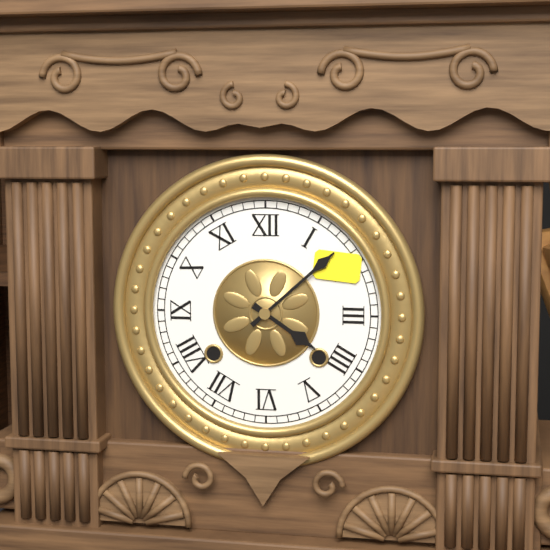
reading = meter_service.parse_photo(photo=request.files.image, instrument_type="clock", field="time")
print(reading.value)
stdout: 4:08
